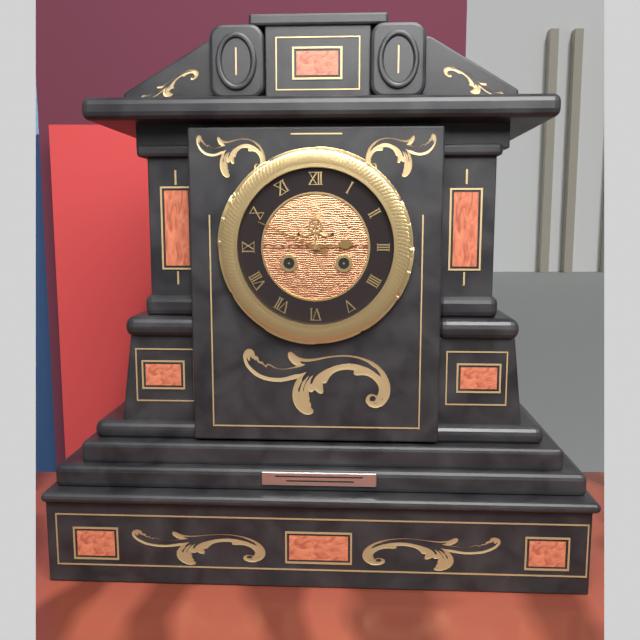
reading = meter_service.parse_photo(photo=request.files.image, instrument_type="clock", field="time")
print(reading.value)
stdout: 2:49
